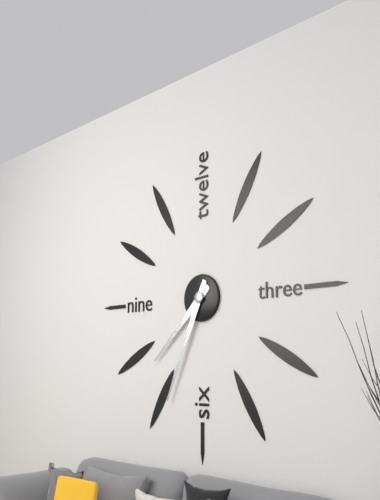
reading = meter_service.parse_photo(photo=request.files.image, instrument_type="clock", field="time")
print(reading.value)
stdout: 7:34
